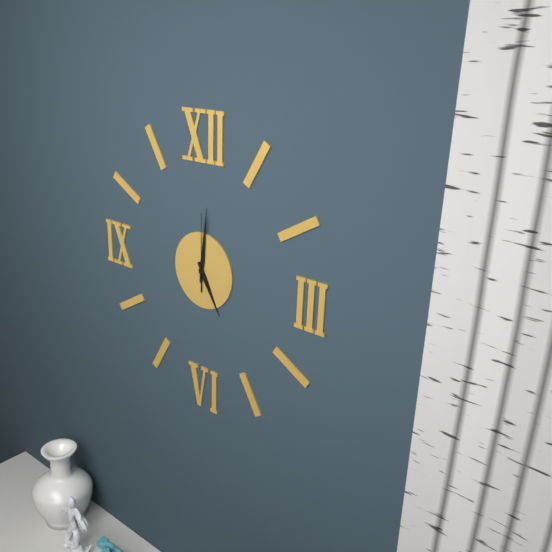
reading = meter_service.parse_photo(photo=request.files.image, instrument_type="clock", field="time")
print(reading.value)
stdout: 5:01:00
